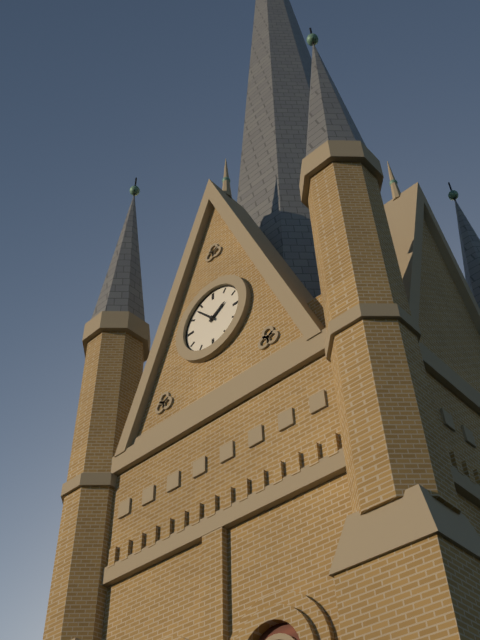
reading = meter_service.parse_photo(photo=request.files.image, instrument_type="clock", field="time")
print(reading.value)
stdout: 1:53
